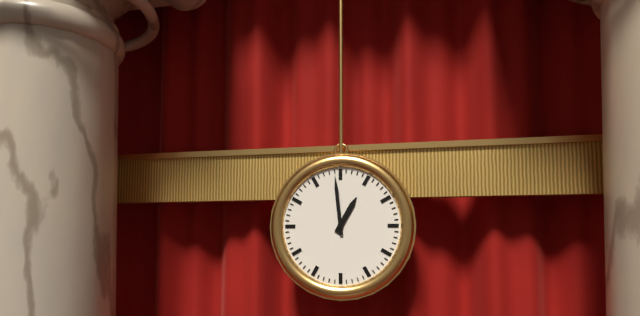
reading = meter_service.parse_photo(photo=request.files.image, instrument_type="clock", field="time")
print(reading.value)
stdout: 12:59
